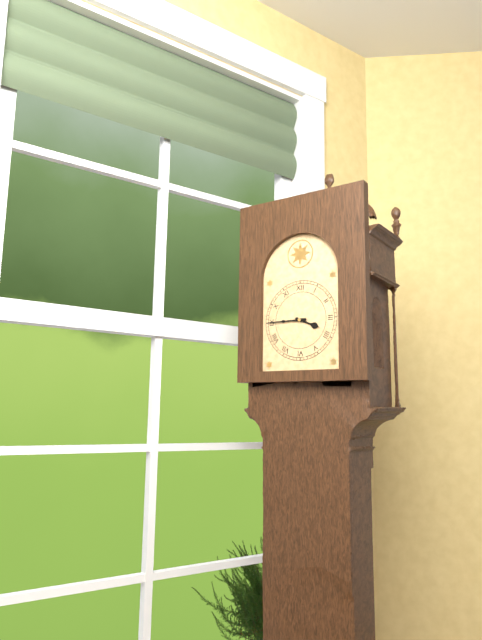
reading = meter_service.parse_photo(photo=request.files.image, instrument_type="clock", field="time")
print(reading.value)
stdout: 3:45
